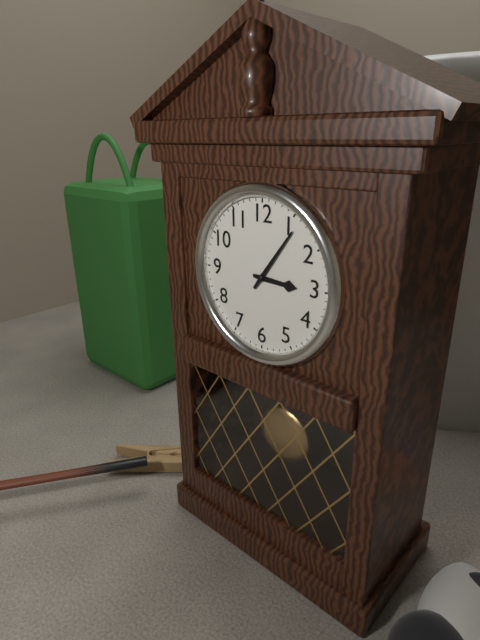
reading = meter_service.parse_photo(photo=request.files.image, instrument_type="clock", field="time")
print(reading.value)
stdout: 3:06
